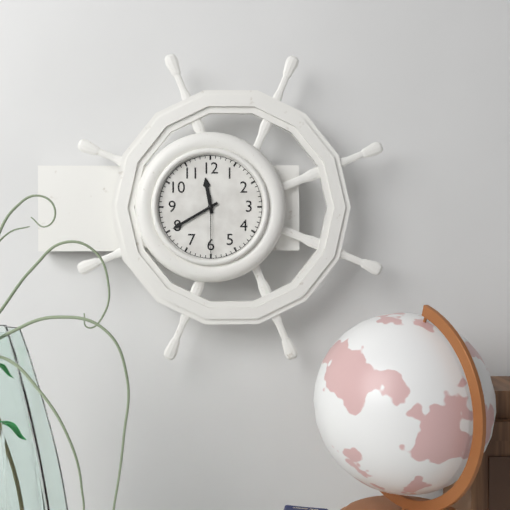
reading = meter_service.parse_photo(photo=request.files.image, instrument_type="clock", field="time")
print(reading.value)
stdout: 11:40:30
